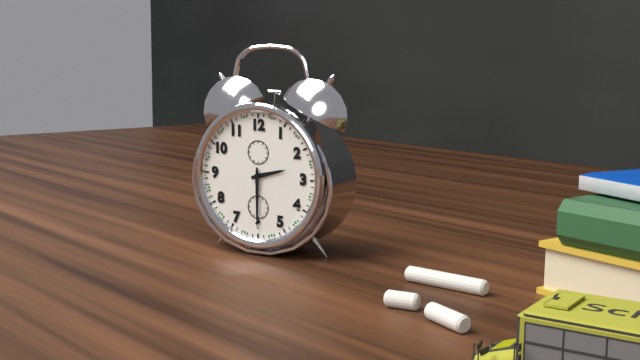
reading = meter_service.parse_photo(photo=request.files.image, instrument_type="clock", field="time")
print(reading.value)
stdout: 2:30
